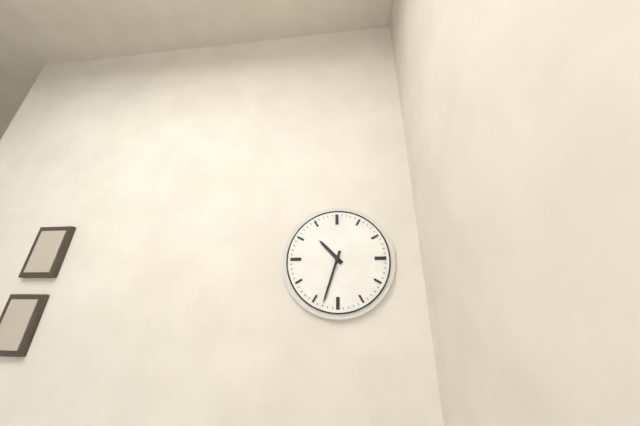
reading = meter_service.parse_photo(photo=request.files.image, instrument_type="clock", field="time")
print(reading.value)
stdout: 10:33
